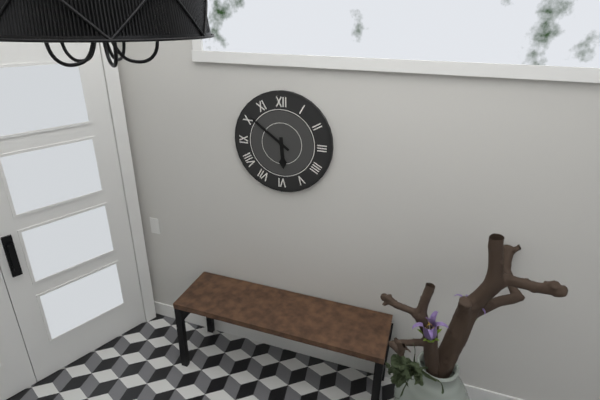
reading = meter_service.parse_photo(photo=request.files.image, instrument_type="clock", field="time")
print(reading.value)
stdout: 5:51
